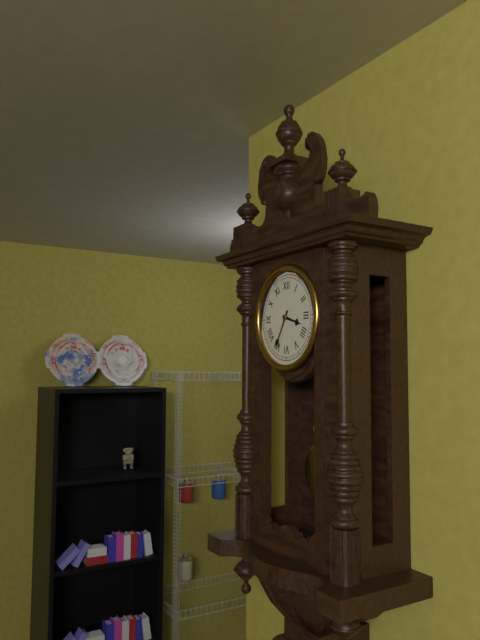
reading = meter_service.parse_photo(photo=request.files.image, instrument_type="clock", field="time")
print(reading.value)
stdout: 3:35
